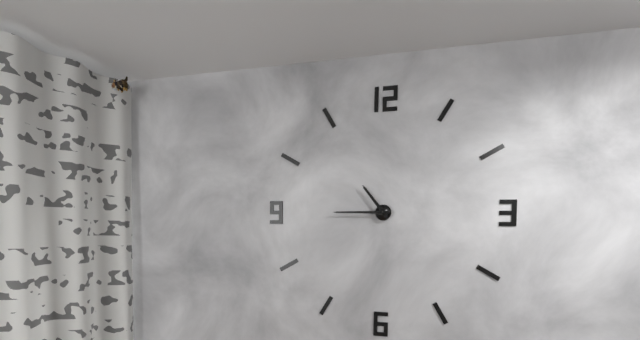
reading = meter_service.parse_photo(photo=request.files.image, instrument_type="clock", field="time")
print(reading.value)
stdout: 10:45
